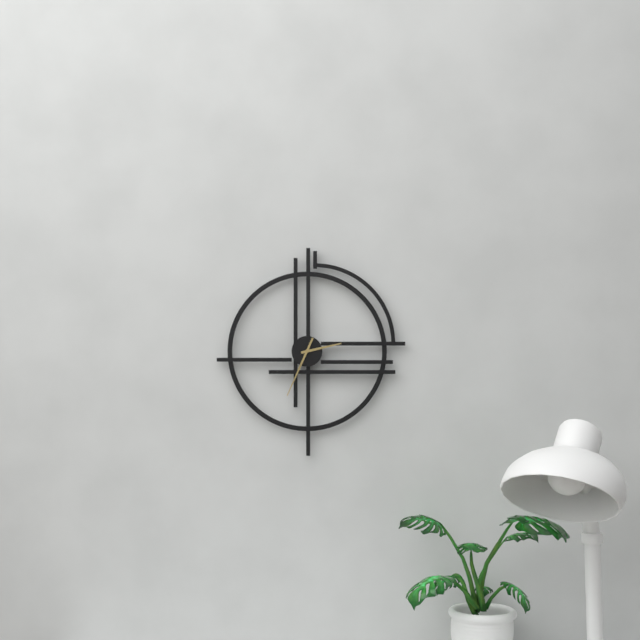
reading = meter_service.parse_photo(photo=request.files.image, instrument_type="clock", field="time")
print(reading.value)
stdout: 2:34
